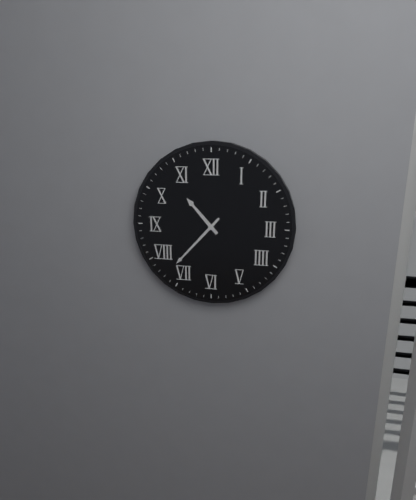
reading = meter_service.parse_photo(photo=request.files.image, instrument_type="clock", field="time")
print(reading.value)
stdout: 10:37
